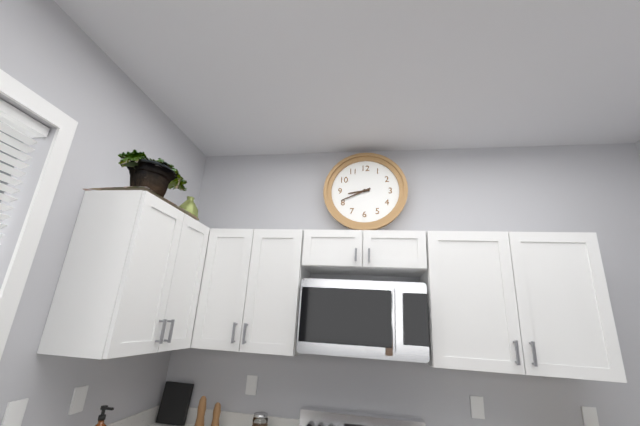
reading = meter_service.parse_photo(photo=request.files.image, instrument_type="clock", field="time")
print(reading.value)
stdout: 8:41
